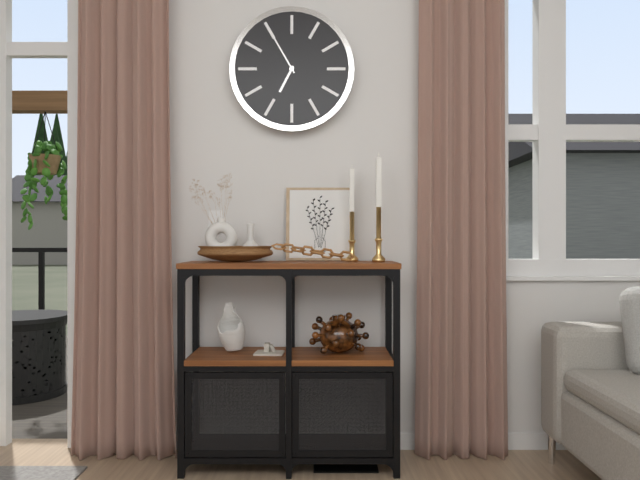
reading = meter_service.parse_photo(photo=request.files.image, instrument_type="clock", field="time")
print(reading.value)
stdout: 6:55
